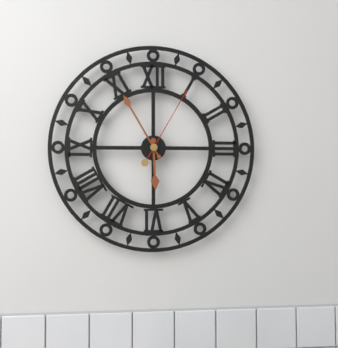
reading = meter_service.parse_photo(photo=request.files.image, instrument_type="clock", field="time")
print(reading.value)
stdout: 5:55:05
